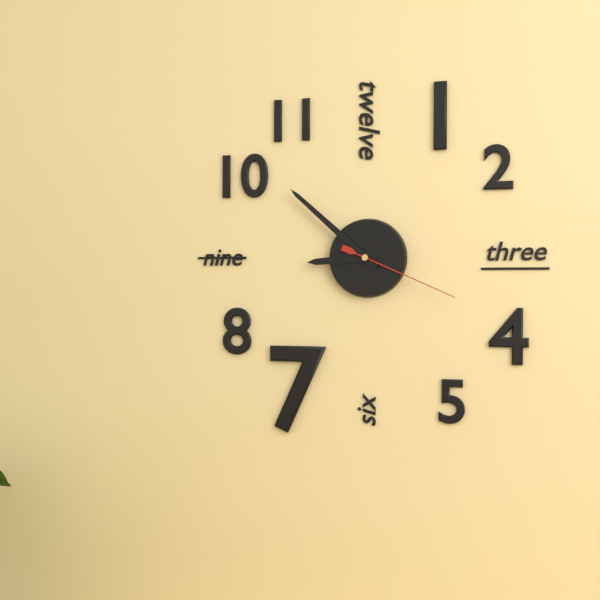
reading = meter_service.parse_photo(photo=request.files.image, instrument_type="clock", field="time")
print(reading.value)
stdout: 8:52:19
